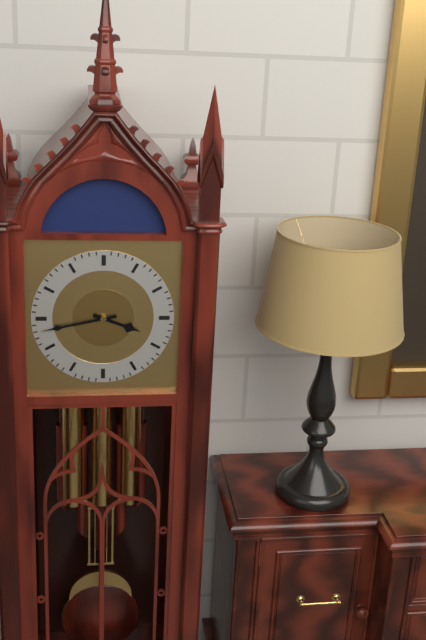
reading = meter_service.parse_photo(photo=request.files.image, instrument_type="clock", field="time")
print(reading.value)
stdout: 3:43
